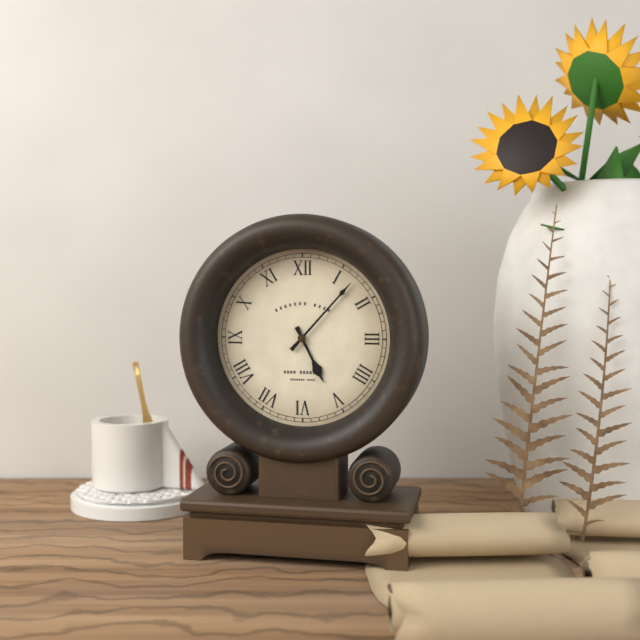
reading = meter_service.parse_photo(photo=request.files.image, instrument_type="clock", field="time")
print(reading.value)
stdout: 5:07
